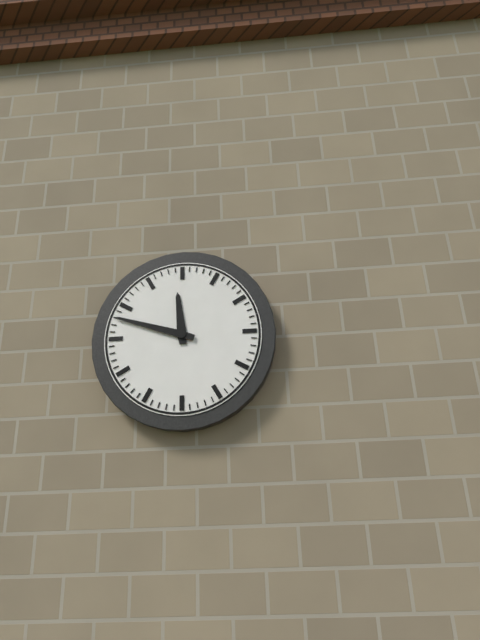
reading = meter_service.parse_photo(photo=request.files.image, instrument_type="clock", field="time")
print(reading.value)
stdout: 11:48
